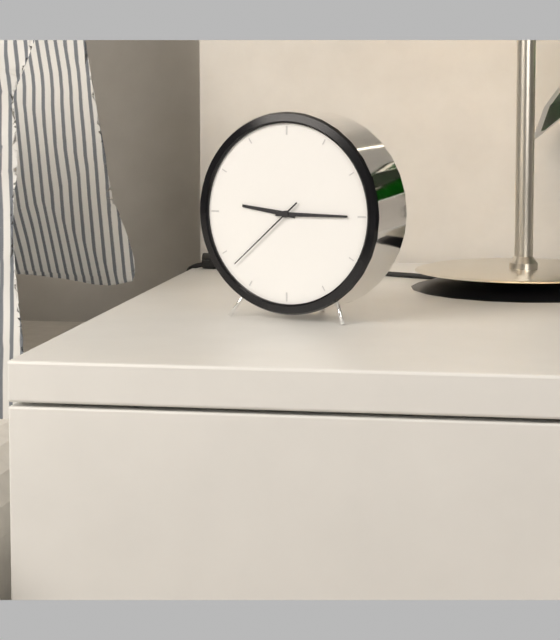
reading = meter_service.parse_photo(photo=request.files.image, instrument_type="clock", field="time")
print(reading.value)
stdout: 9:15:38
